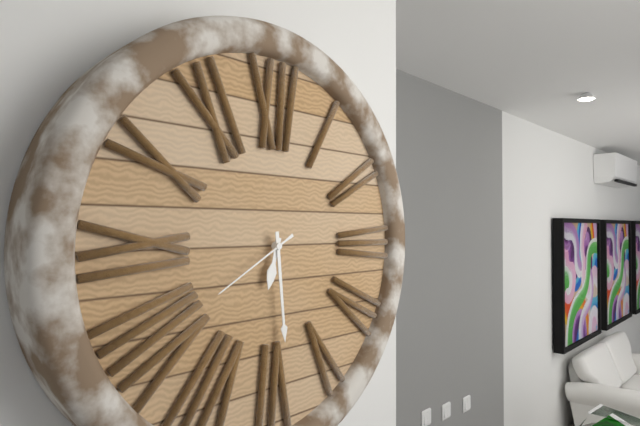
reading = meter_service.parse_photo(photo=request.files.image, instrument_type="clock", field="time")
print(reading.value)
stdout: 6:29:40
